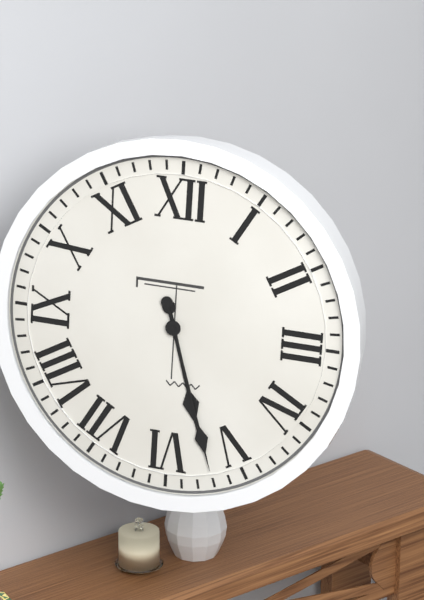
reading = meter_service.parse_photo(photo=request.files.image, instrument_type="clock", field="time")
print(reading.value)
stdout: 5:27
